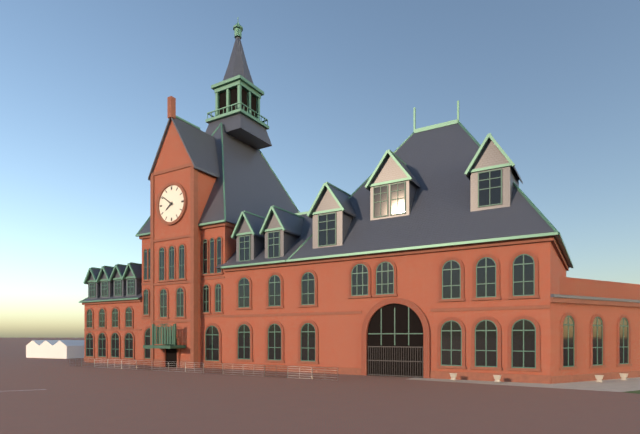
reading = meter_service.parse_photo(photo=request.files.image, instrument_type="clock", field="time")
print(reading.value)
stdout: 7:51
